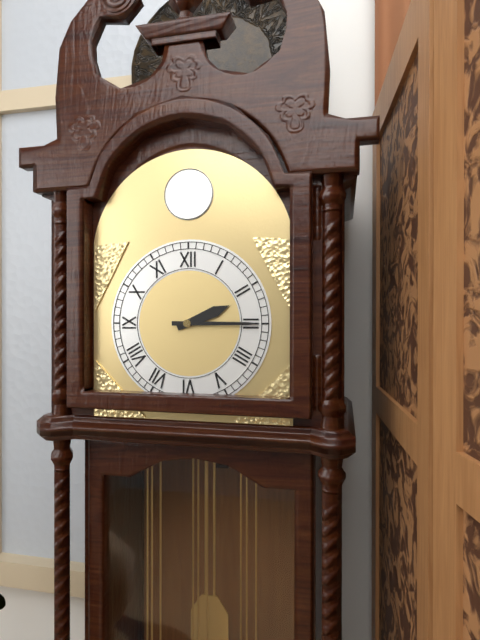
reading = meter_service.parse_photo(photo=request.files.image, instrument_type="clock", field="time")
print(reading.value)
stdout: 2:15
